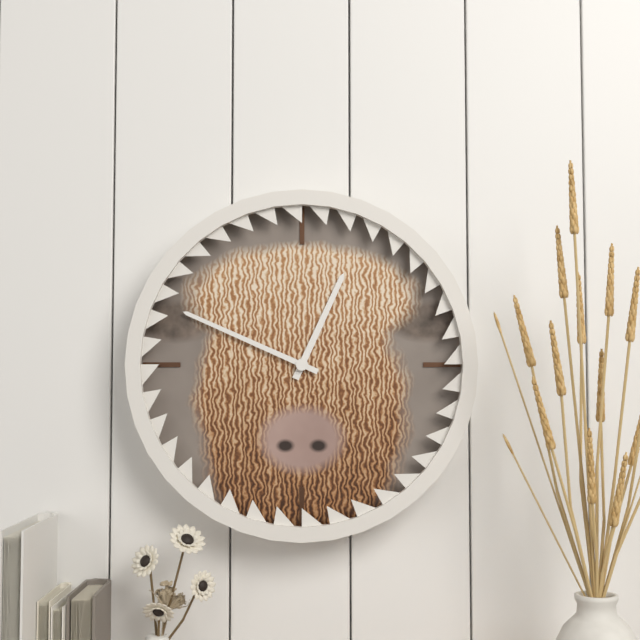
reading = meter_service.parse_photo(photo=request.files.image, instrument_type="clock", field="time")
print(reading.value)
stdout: 12:49
